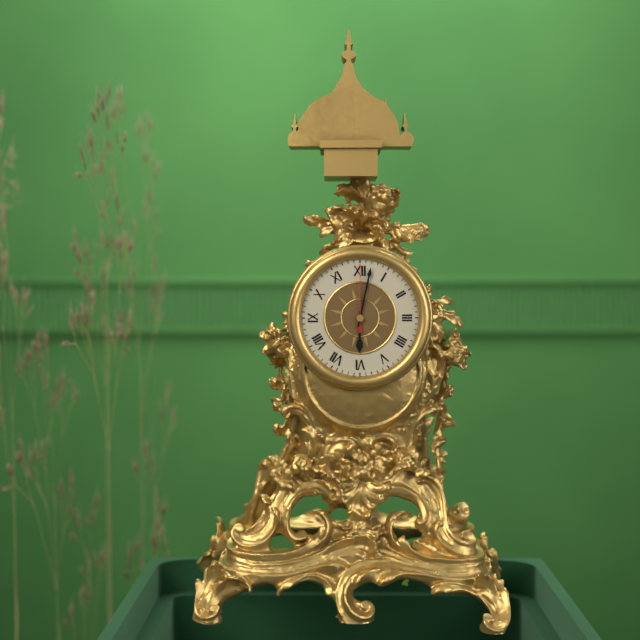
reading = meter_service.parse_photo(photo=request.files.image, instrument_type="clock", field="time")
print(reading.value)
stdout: 6:02:00
